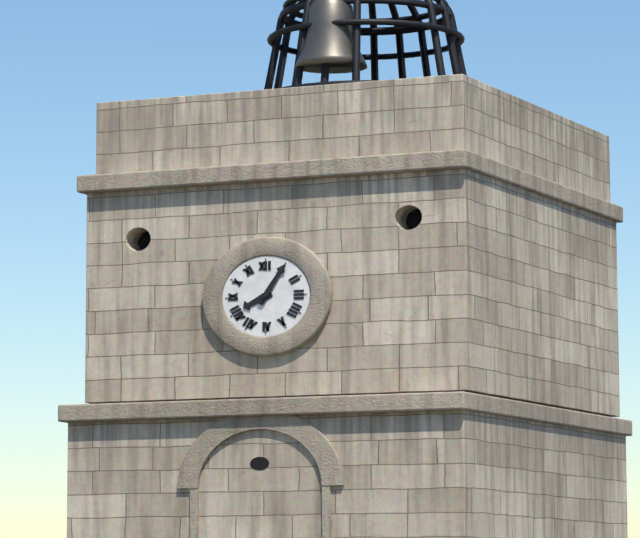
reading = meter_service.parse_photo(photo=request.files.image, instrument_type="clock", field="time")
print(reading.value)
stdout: 8:05
